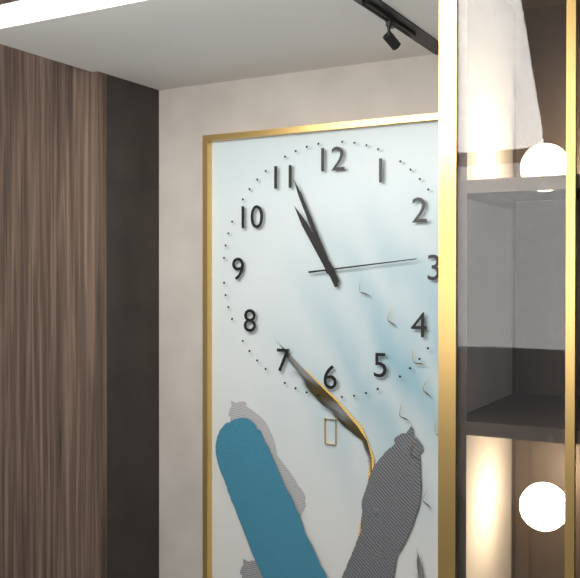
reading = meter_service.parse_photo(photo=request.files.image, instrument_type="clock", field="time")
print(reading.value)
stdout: 10:56:14
